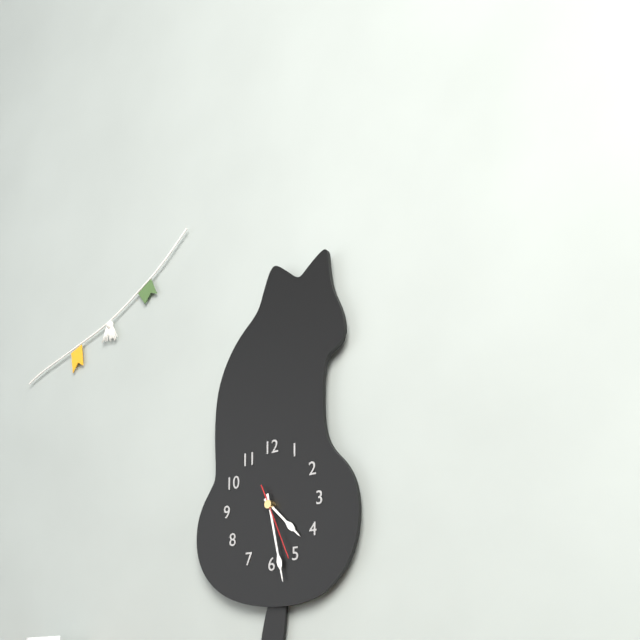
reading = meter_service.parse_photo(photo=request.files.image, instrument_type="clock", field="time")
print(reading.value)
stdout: 4:28:26
